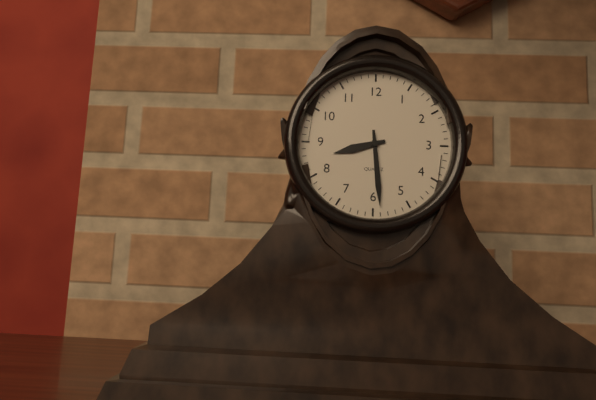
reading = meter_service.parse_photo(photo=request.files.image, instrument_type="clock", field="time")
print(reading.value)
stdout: 8:29
